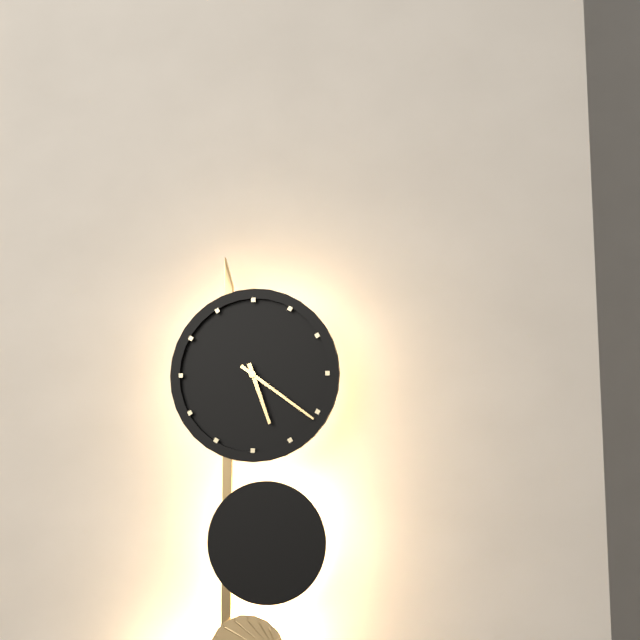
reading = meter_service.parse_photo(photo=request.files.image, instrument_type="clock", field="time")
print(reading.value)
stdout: 5:21
